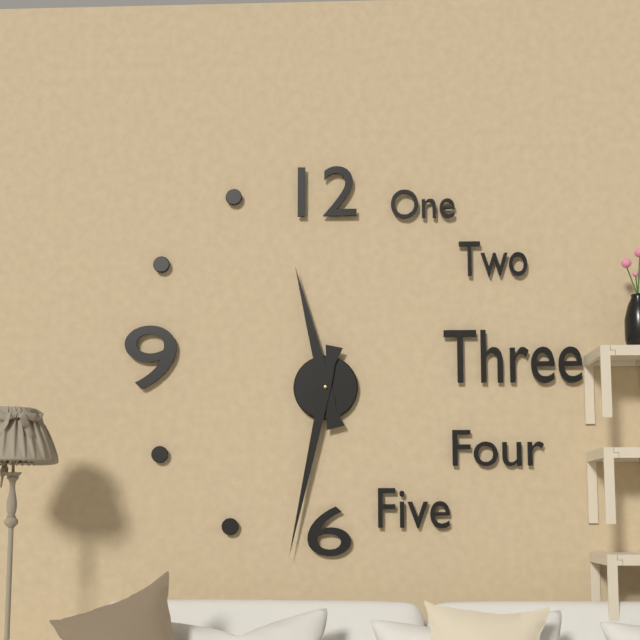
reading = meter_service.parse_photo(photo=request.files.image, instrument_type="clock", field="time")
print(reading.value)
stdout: 11:32
